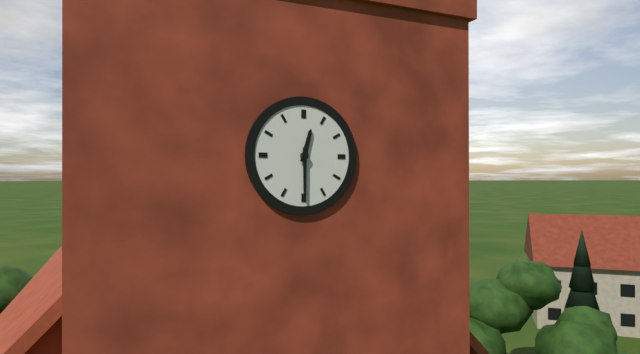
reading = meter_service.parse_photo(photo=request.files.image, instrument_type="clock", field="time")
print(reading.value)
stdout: 12:30
